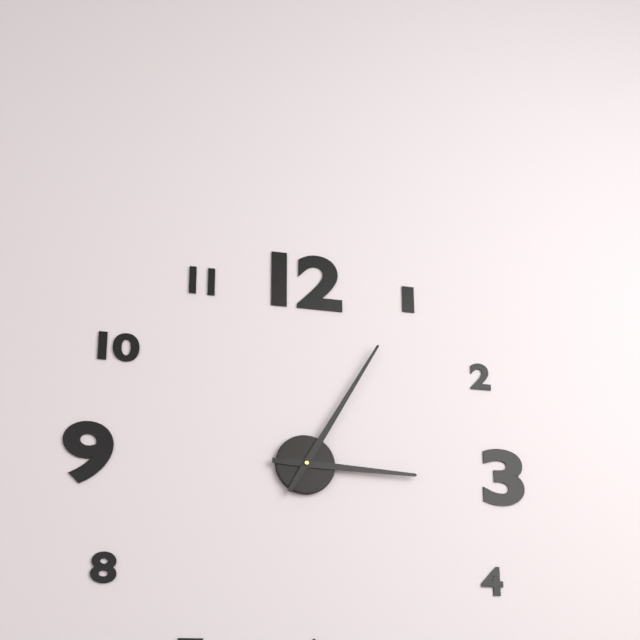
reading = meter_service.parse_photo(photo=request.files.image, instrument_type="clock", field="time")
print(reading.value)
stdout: 3:05
